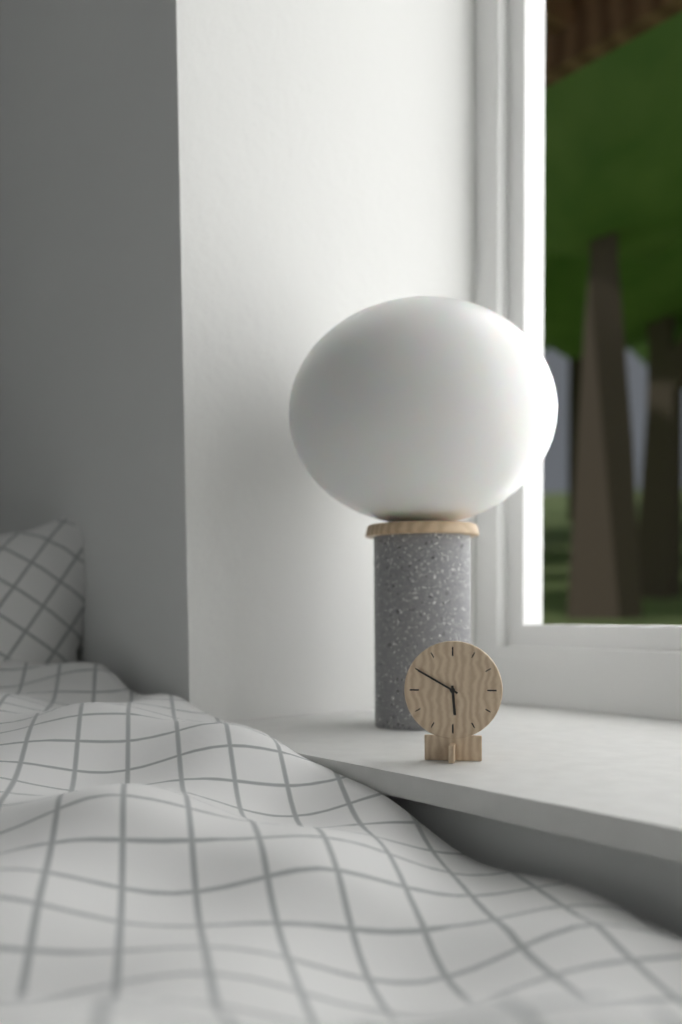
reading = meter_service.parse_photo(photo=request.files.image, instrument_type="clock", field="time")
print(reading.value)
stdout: 5:50
